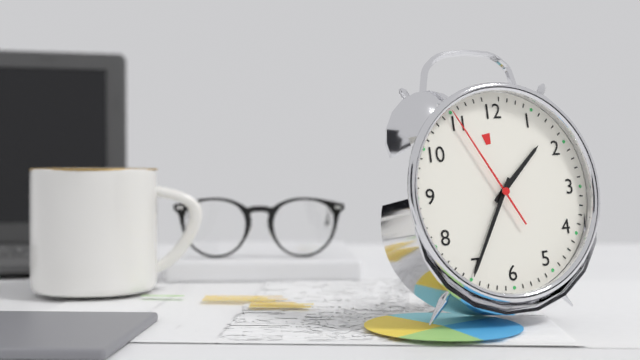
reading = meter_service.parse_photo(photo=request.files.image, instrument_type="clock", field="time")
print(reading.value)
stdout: 1:35:55
